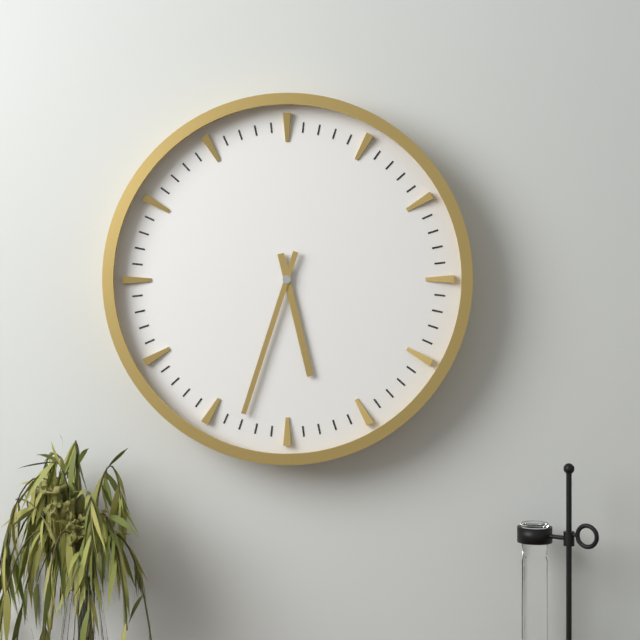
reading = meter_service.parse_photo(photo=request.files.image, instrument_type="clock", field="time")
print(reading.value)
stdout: 5:33
